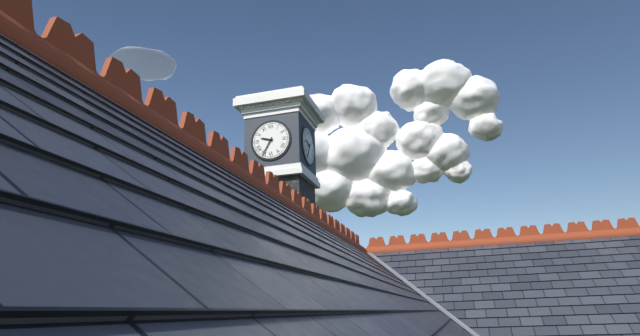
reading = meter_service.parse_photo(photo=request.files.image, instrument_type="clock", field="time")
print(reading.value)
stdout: 9:35
